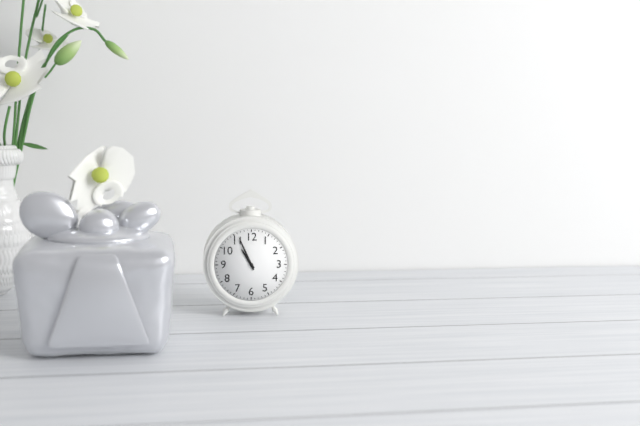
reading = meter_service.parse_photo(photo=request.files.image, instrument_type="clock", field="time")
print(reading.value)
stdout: 10:56
